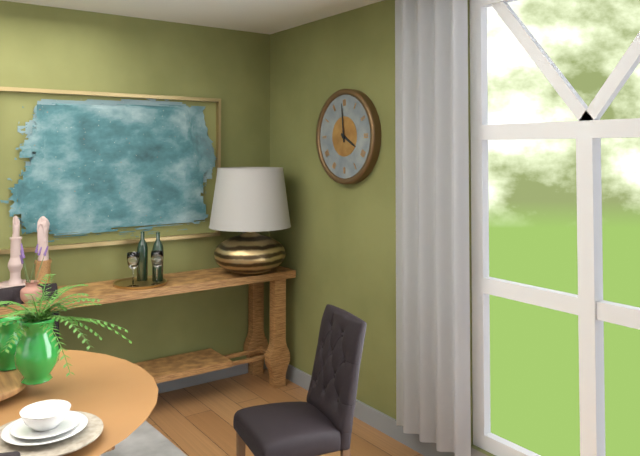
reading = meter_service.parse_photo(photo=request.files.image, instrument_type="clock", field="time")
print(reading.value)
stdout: 3:59
